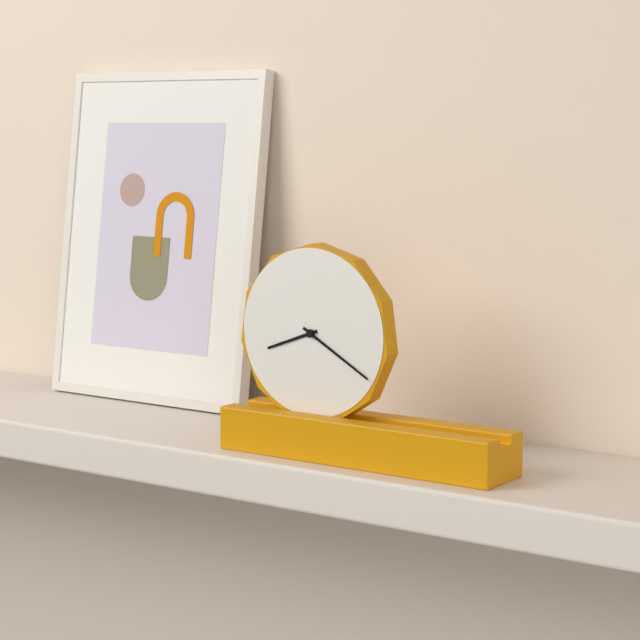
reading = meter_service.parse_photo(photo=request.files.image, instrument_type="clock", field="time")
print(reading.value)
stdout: 8:20
